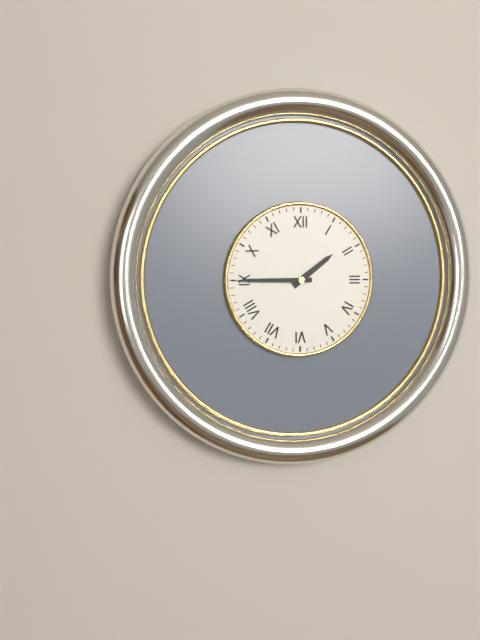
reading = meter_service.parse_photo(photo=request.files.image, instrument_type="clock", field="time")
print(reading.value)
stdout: 1:45
